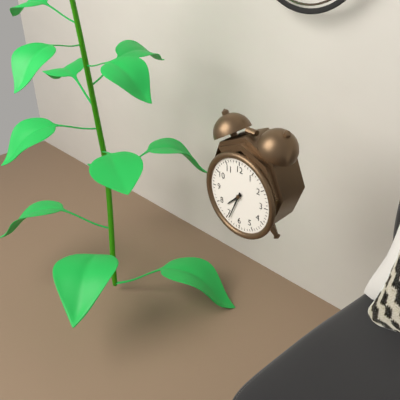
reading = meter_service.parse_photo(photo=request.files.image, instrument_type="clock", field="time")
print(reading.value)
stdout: 7:34
